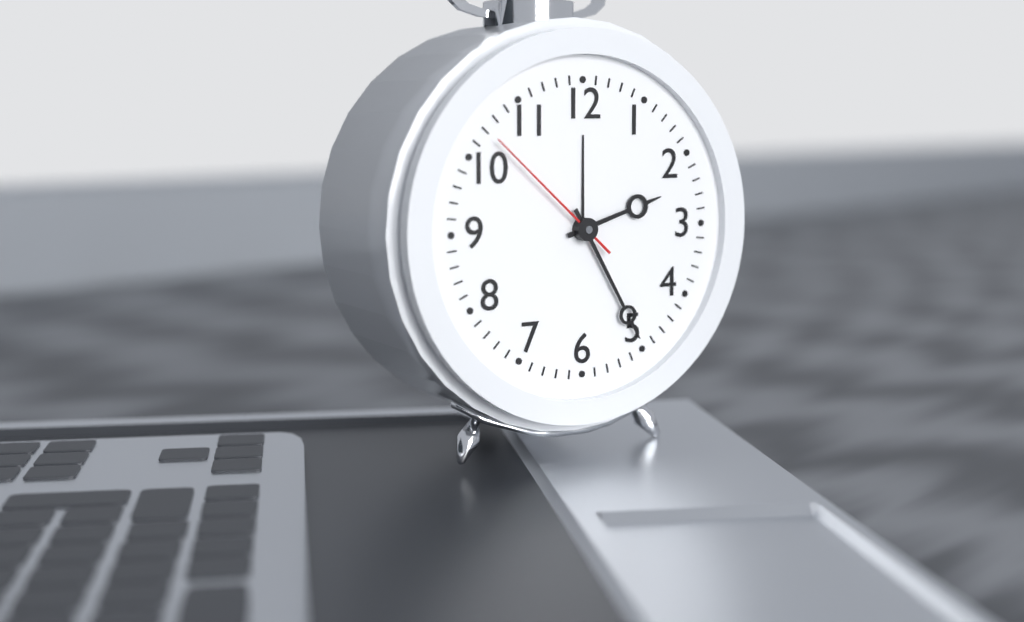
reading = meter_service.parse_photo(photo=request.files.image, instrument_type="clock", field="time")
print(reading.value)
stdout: 2:25:52
